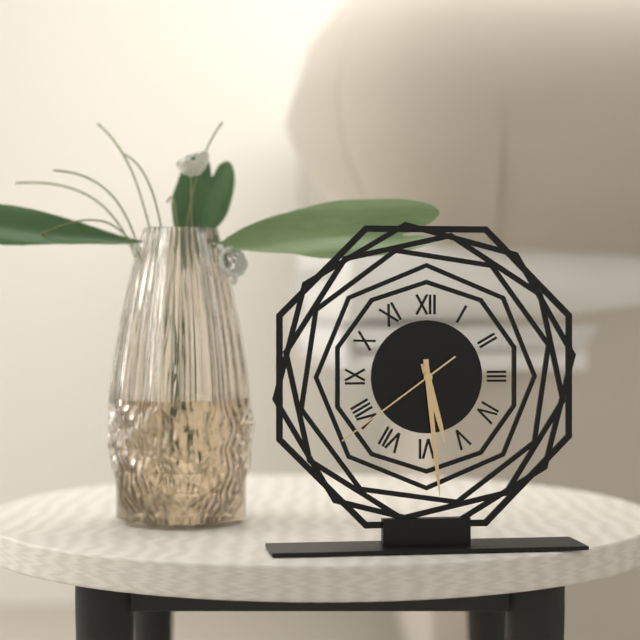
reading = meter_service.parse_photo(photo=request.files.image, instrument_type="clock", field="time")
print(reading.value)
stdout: 5:29:39
